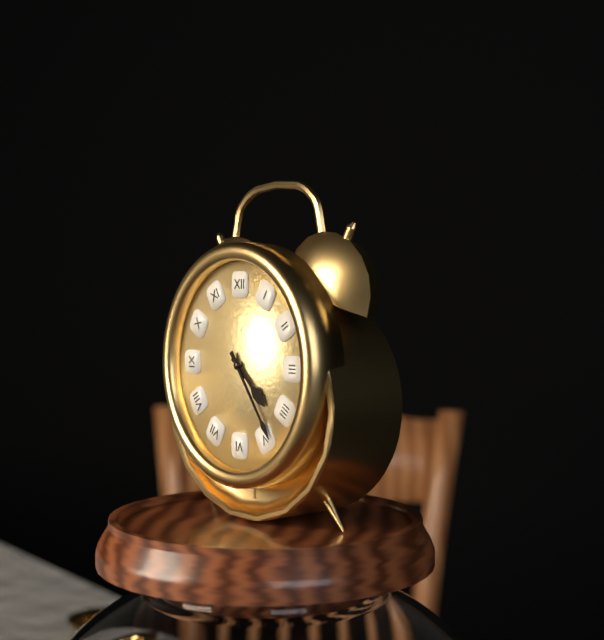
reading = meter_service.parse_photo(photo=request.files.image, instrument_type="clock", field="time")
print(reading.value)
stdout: 4:24
